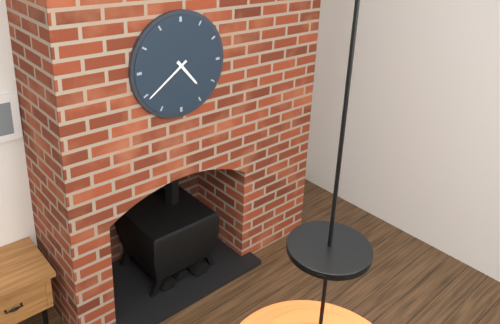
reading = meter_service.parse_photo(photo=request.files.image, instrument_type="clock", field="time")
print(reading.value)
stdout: 4:39
